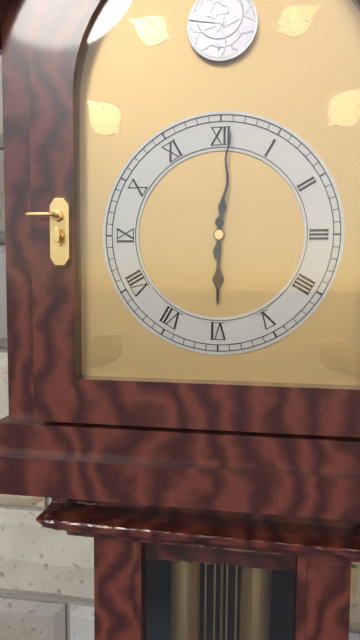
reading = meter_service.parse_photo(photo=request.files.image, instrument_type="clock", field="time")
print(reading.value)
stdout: 6:01
